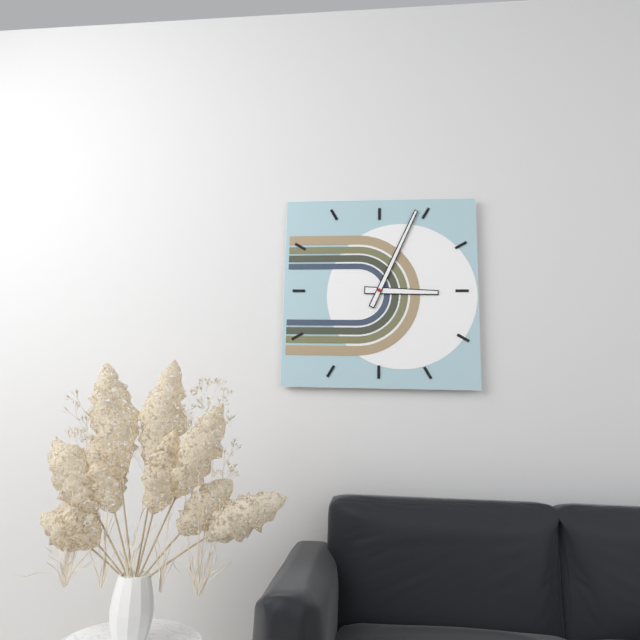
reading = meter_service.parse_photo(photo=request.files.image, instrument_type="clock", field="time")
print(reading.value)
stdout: 3:04
